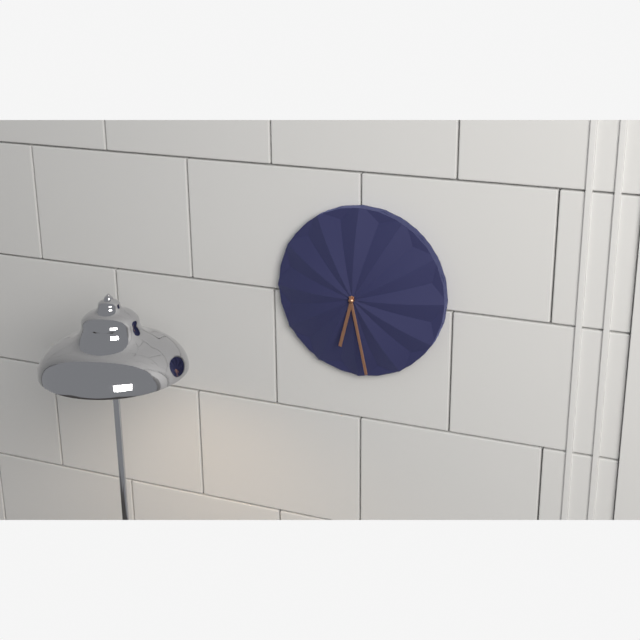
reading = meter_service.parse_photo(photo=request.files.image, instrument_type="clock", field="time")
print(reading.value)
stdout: 6:28
